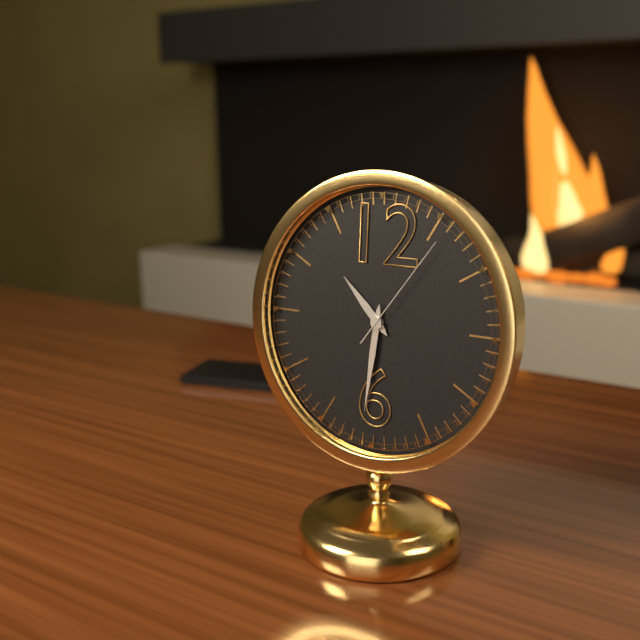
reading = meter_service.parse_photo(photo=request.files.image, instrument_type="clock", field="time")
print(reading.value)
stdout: 10:31:06
